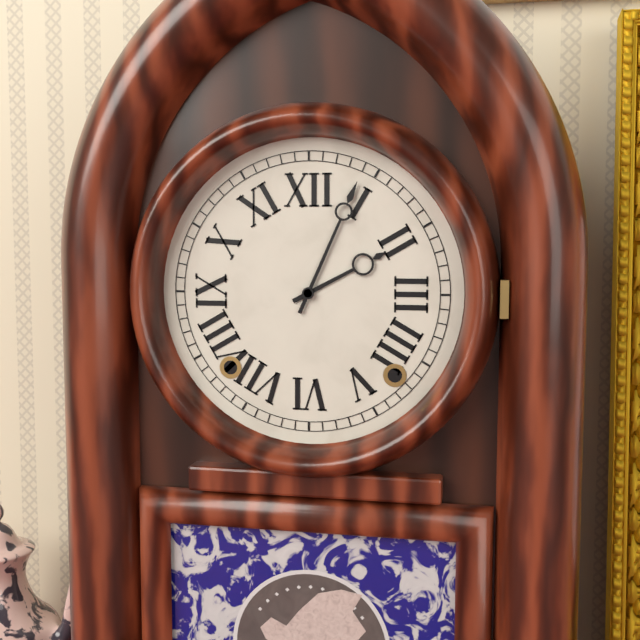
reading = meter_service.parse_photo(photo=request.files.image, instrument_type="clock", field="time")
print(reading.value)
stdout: 2:04
